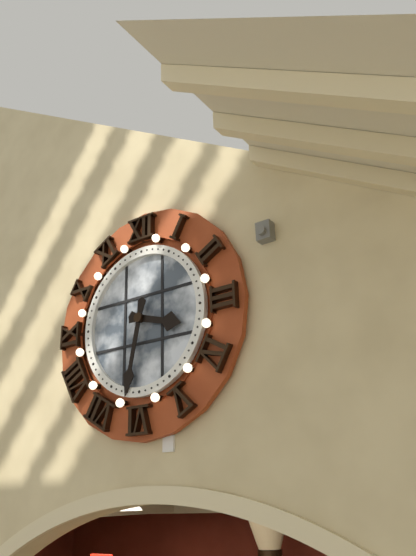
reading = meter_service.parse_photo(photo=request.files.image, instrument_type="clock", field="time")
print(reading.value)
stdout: 3:32
